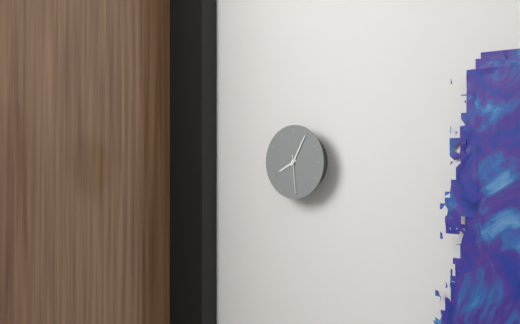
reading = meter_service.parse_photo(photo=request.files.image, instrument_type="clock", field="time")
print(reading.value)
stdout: 8:05
